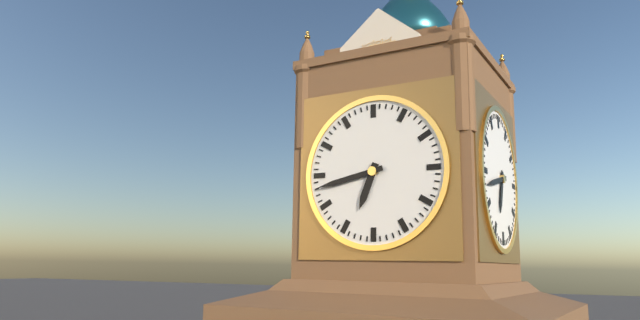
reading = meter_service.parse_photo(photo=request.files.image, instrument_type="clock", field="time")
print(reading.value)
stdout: 6:43
